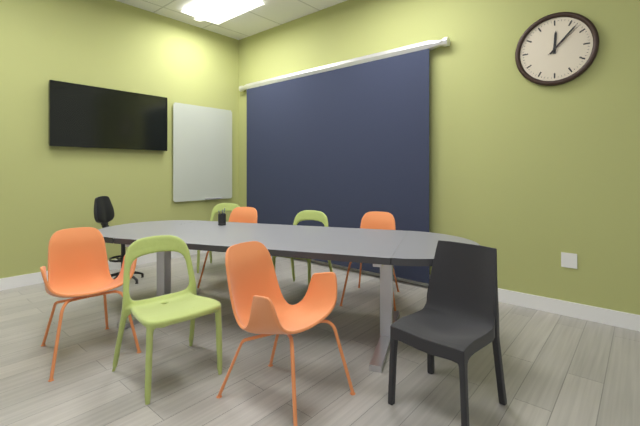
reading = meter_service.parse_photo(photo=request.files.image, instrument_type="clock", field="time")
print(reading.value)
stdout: 12:07
